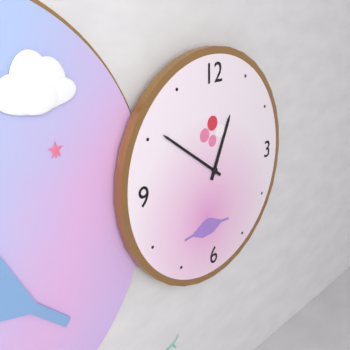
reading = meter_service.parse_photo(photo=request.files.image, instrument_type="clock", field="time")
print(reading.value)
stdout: 12:51
